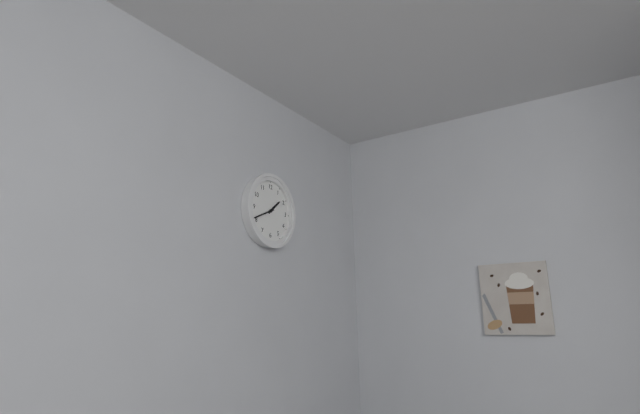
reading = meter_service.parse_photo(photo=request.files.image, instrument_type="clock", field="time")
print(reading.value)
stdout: 1:41
